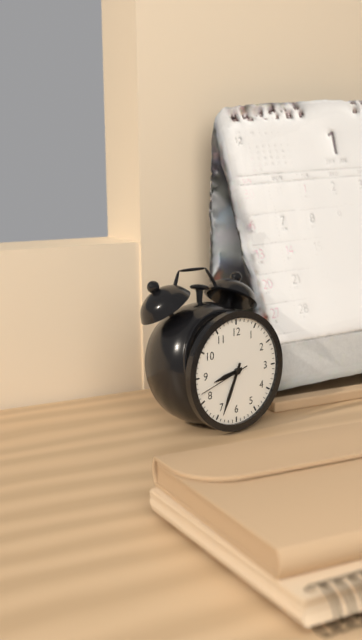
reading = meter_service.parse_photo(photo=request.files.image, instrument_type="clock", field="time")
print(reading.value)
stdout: 8:34:42
